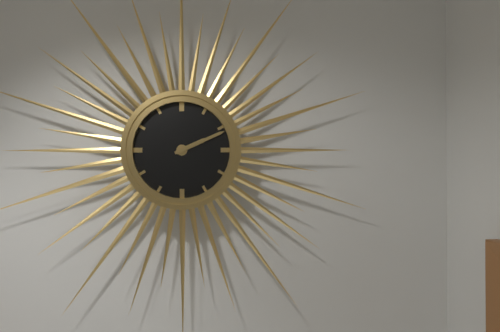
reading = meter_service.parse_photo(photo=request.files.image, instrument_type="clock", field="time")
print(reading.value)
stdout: 2:11
